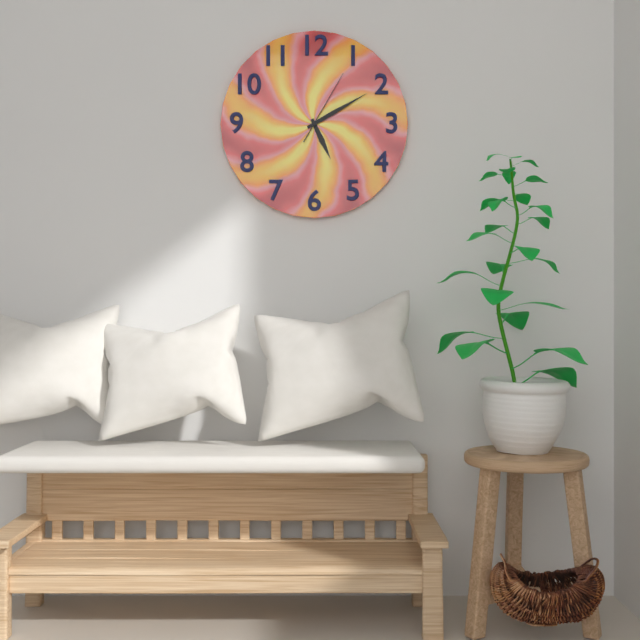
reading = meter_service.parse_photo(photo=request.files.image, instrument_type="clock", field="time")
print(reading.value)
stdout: 5:10:05
